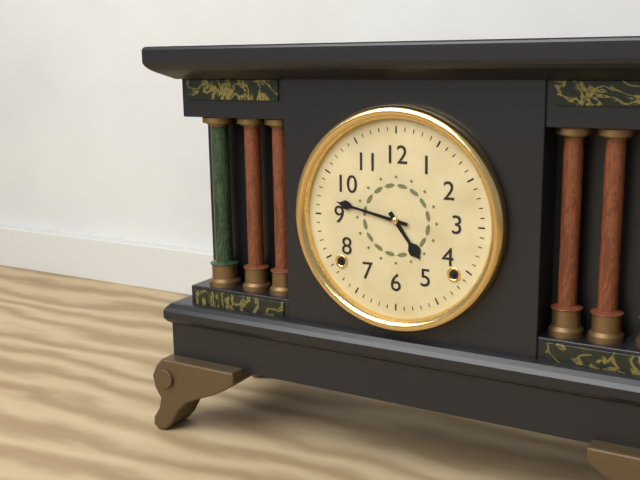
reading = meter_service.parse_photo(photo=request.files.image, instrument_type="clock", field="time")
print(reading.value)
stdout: 4:47
